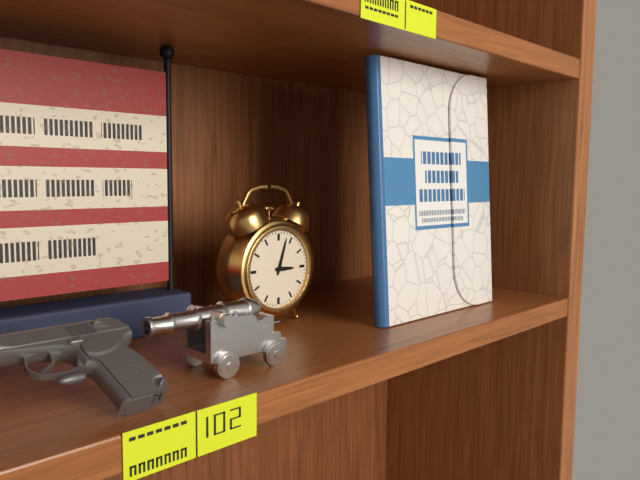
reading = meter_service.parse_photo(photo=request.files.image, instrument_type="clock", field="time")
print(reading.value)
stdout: 3:03
